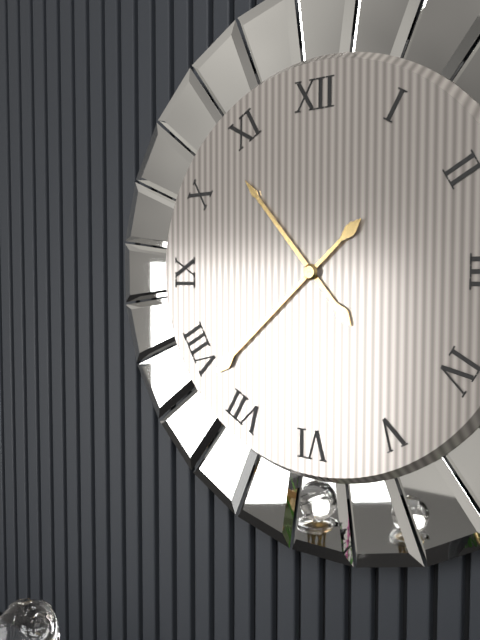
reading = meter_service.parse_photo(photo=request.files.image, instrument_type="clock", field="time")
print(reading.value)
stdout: 10:38
